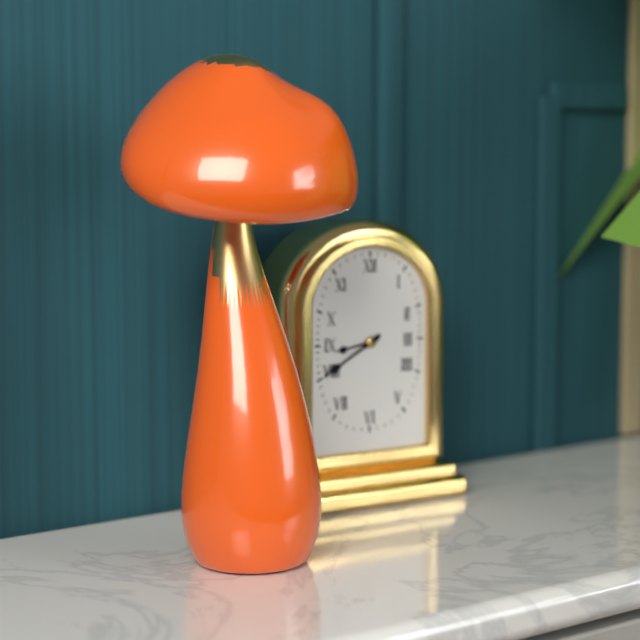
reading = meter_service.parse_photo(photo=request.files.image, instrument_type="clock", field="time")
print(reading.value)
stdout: 8:40
